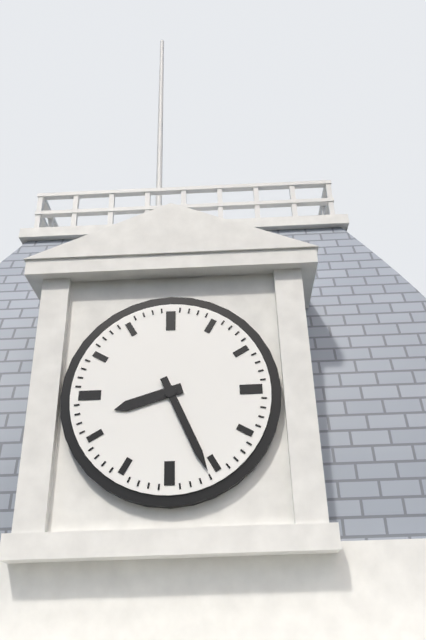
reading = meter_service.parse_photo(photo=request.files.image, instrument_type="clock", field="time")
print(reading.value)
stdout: 8:26
